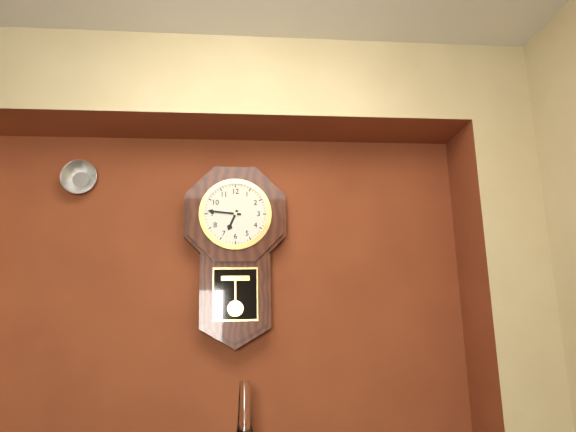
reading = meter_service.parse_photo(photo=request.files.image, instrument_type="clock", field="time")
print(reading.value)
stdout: 6:46
